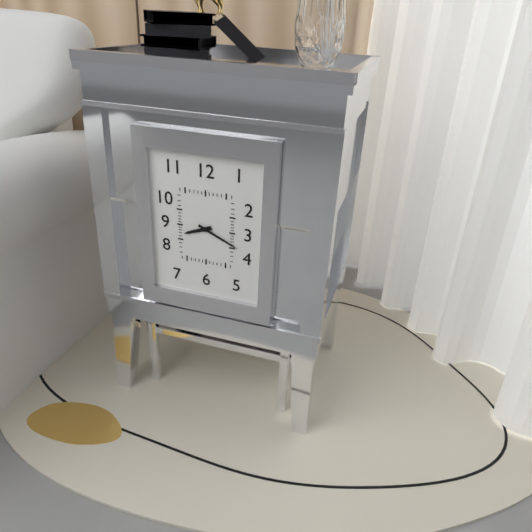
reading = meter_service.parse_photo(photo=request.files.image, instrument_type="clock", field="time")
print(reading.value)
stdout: 8:19
